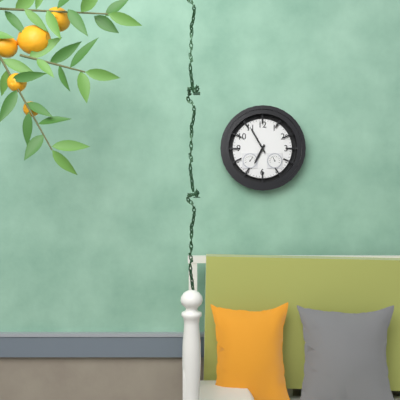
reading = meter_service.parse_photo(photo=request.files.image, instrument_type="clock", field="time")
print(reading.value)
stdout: 6:55
